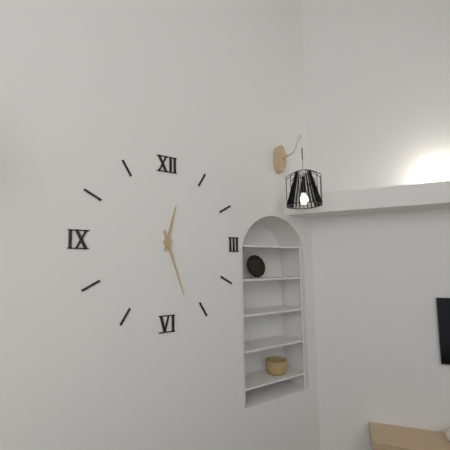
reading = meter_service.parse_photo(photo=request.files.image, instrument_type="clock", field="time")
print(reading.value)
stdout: 12:27
